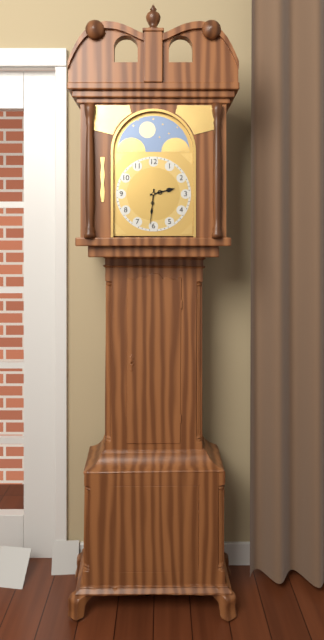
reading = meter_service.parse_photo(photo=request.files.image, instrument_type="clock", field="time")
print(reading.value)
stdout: 2:31
